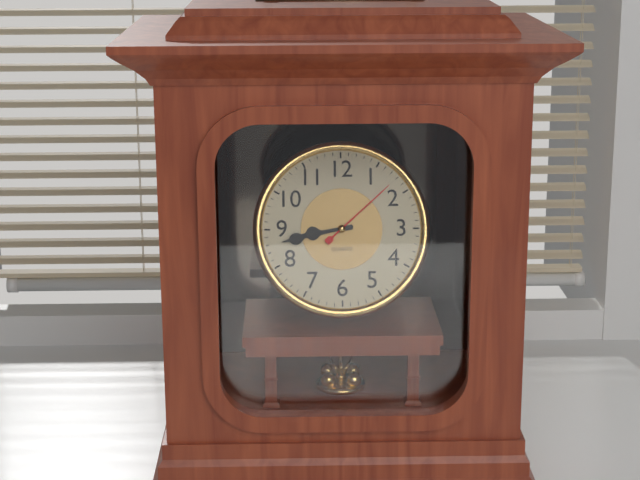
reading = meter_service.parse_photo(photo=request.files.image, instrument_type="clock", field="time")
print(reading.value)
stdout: 8:43:08
